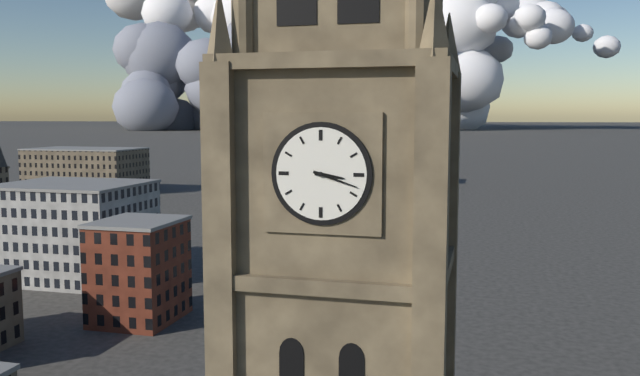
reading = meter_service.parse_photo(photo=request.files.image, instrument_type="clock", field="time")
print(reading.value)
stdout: 3:18
